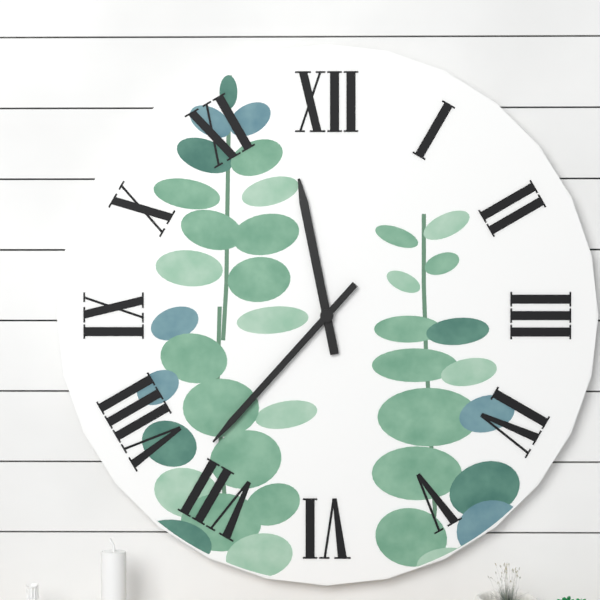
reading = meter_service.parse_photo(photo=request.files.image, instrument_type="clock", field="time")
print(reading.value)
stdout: 11:37
